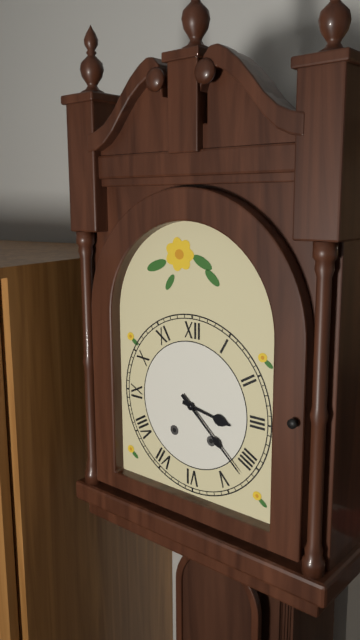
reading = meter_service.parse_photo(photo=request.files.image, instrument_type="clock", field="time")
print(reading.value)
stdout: 3:22
